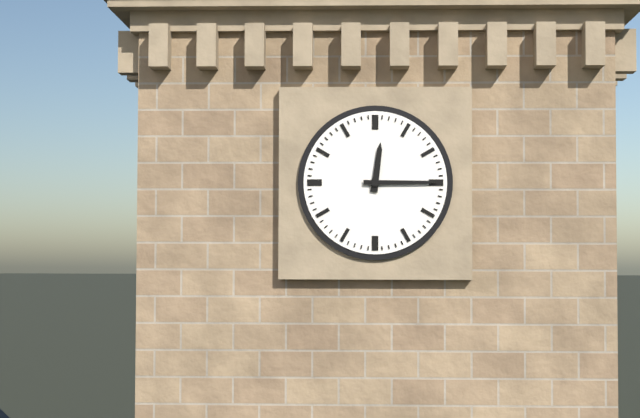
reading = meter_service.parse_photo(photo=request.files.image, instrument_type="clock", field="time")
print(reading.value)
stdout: 12:15
